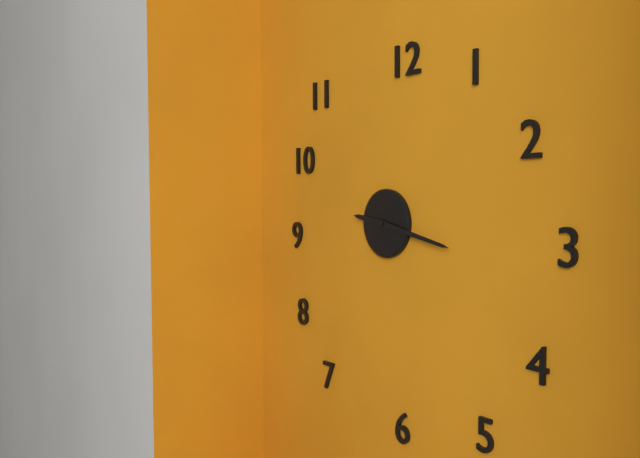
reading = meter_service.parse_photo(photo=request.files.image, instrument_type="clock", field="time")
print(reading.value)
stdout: 9:17
